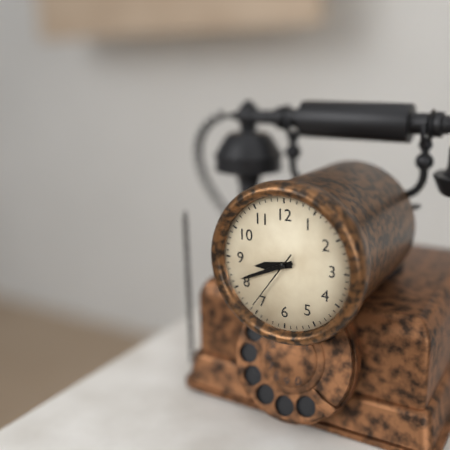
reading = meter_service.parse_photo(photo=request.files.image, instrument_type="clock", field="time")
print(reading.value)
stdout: 8:41:36
